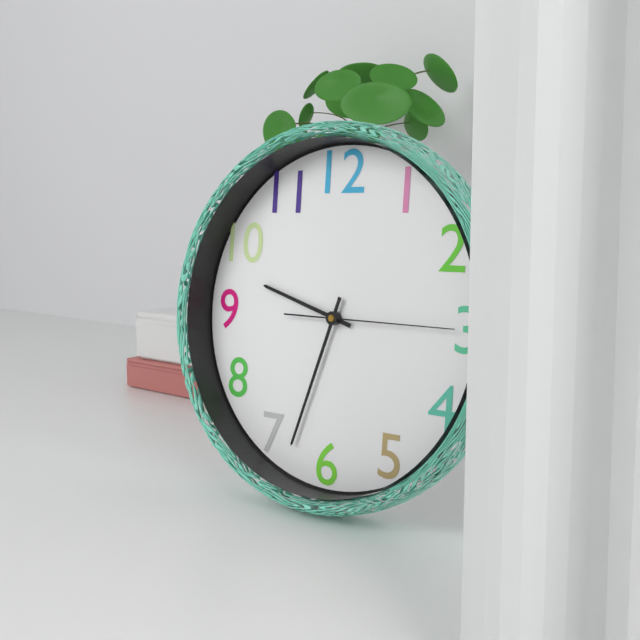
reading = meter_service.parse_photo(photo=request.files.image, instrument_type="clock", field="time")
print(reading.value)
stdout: 9:33:15
